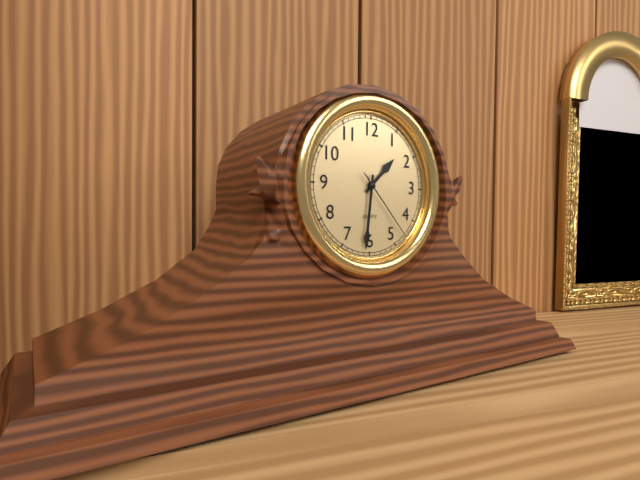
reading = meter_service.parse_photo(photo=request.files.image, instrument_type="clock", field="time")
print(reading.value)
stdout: 1:31:23
